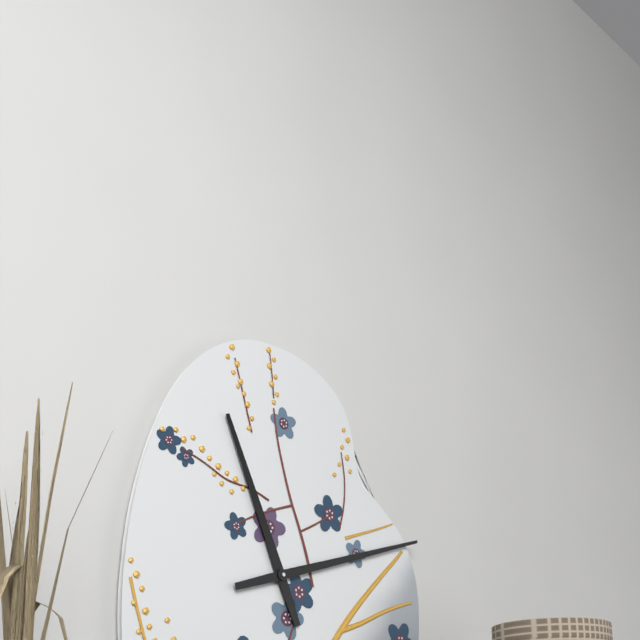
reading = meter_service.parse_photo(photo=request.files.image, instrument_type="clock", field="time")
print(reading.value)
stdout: 11:12
